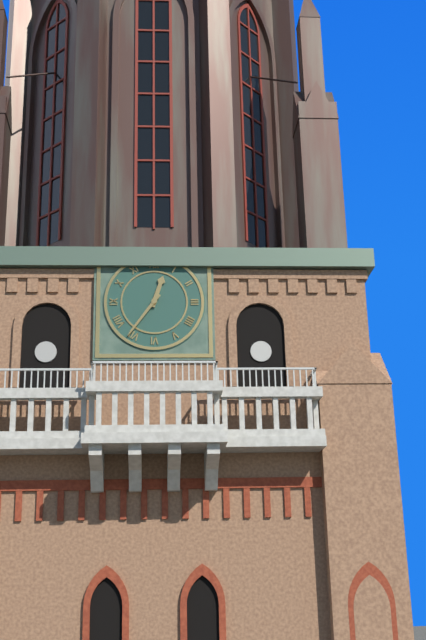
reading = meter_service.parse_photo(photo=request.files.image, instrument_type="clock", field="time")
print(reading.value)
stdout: 12:36
